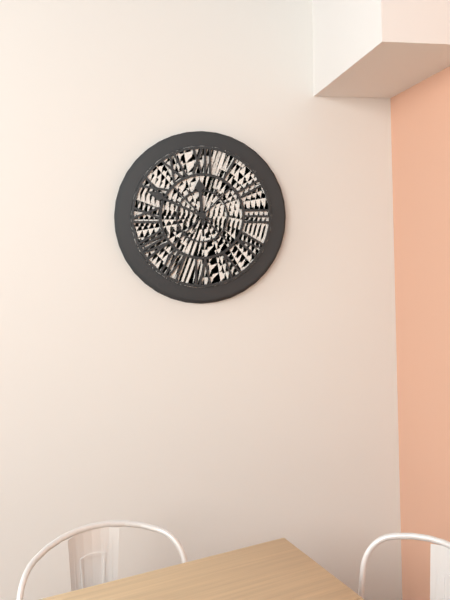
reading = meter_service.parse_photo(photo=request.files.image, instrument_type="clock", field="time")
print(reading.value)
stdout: 11:49
